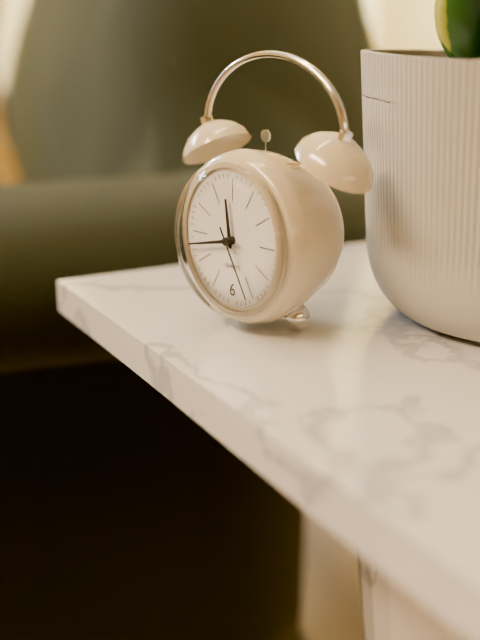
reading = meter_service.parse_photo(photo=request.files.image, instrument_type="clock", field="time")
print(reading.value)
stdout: 11:43:25
